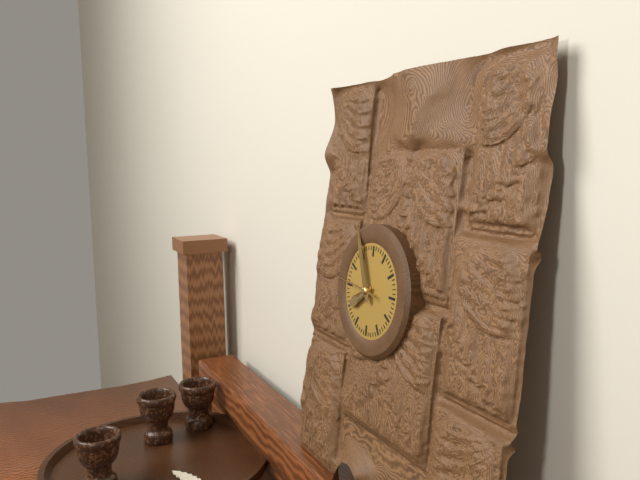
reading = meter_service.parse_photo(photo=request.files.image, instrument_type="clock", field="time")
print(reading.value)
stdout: 7:56
